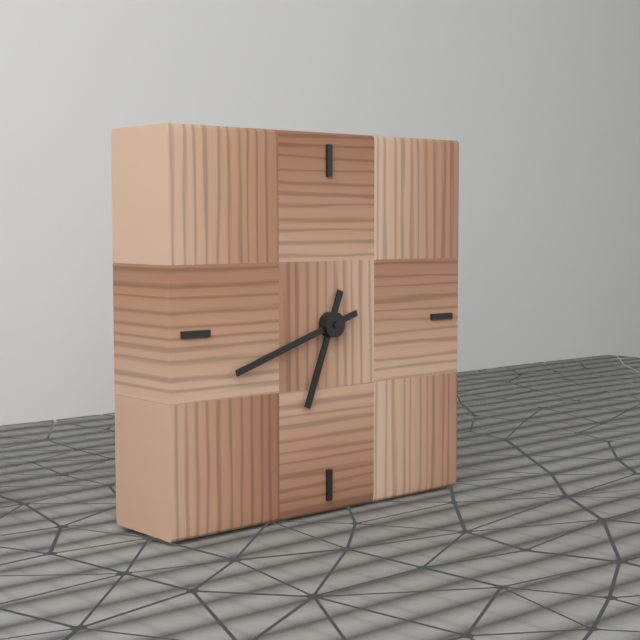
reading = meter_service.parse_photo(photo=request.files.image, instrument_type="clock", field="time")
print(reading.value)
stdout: 6:42
